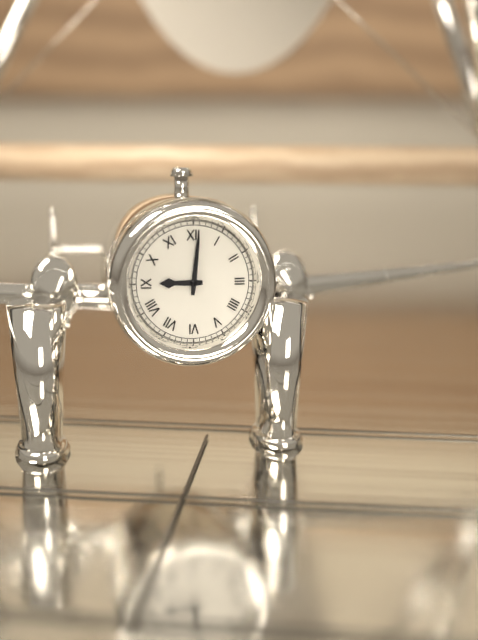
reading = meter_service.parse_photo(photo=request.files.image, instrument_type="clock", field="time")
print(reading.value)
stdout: 9:01
